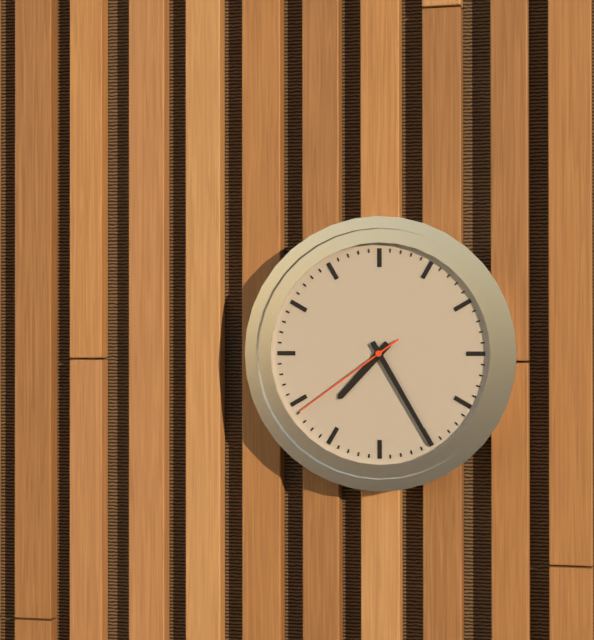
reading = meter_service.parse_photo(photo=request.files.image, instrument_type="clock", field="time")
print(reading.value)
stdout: 7:25:39
